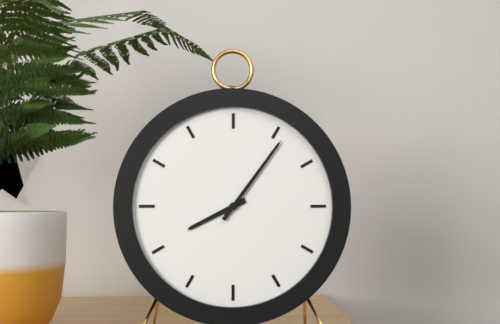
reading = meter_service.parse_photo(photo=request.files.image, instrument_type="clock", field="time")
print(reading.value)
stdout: 8:06
